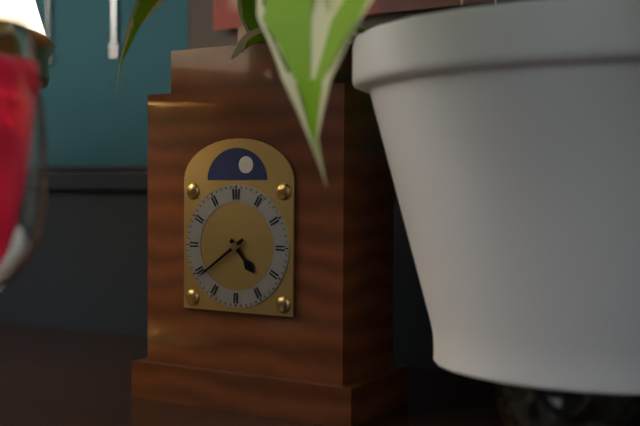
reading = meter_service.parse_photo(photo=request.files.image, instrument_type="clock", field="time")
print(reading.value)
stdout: 4:39
